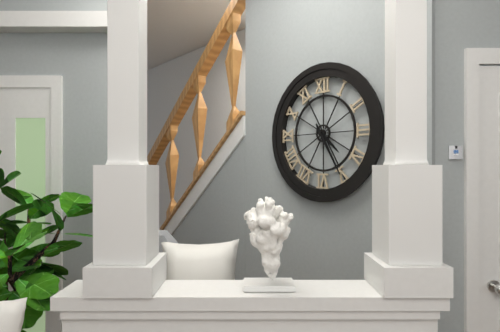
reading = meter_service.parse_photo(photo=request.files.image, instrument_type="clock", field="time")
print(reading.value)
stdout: 4:25
